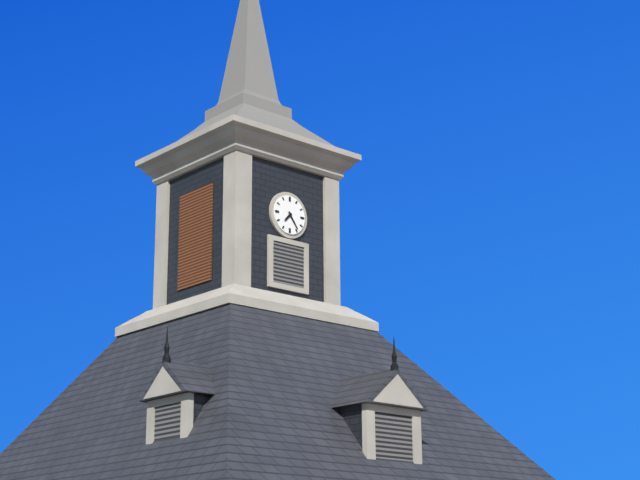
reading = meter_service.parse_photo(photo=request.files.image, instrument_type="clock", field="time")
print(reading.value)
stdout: 7:24
